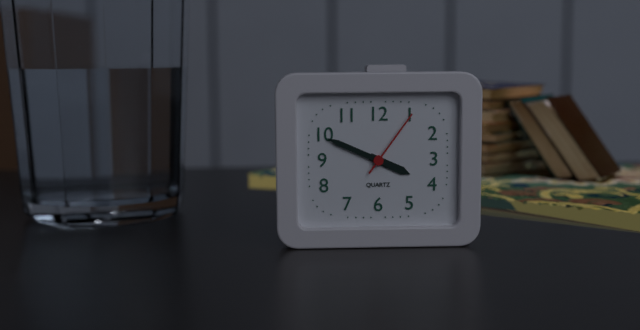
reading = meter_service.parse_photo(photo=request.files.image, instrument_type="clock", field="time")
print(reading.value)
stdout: 3:49:06
